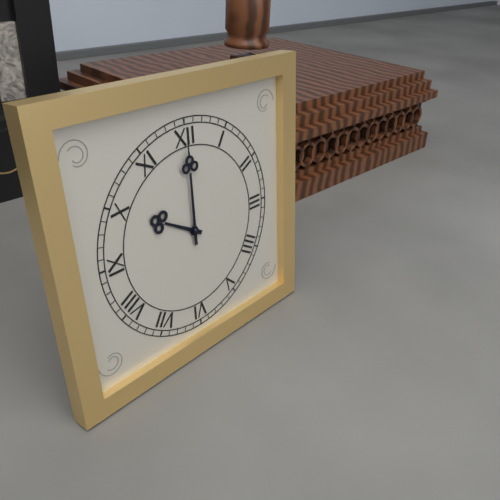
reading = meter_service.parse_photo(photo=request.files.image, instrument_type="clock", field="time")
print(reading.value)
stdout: 10:00
